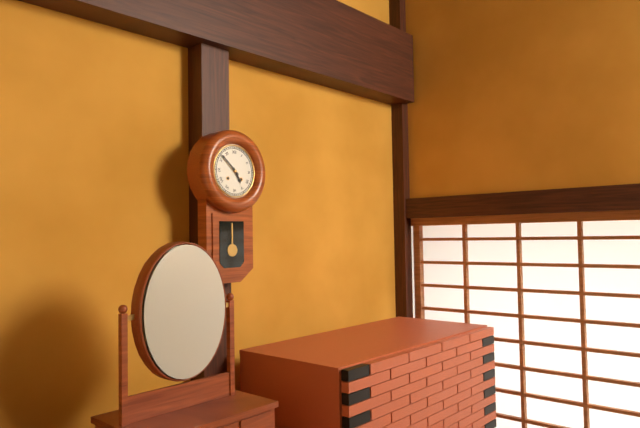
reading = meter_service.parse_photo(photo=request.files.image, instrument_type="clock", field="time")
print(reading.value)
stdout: 4:52
